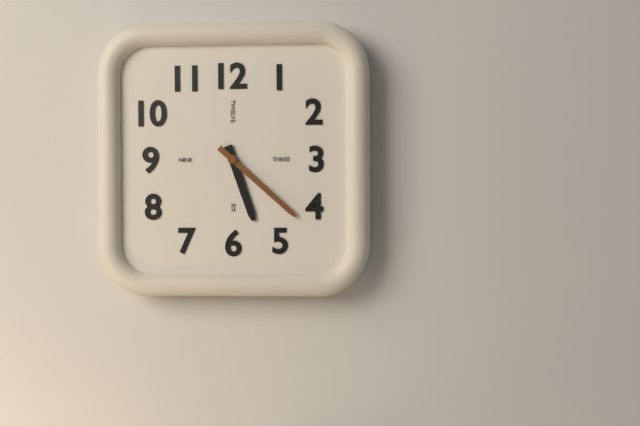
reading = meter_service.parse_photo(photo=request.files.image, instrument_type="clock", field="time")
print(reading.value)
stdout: 5:22
